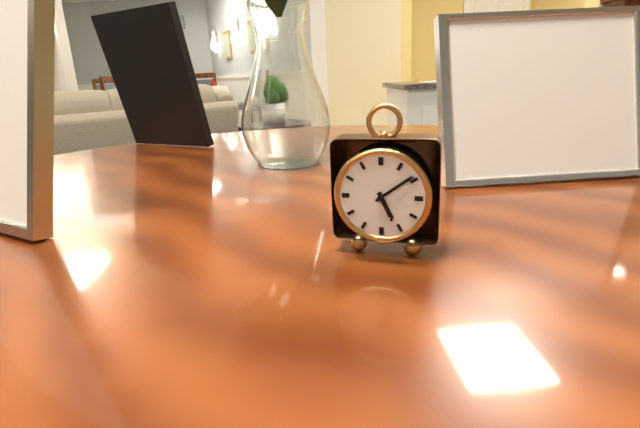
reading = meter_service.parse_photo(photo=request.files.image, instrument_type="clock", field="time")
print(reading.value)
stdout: 5:09
